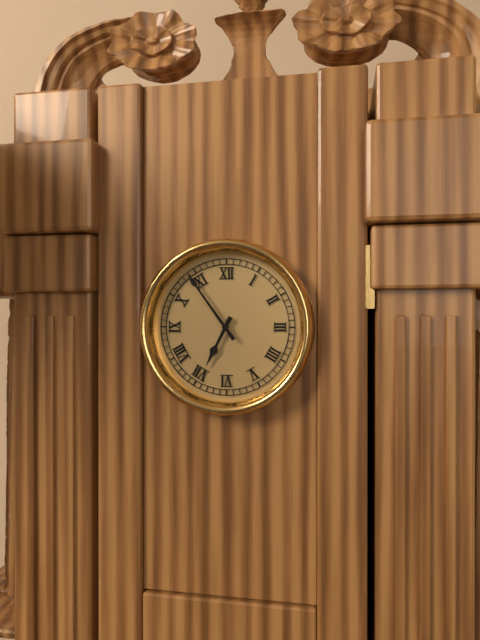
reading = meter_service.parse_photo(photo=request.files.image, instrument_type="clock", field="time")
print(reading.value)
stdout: 6:54
